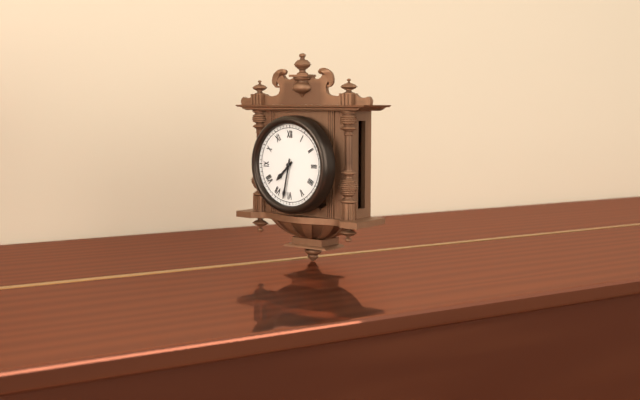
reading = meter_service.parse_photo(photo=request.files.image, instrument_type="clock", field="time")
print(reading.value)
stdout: 7:32
